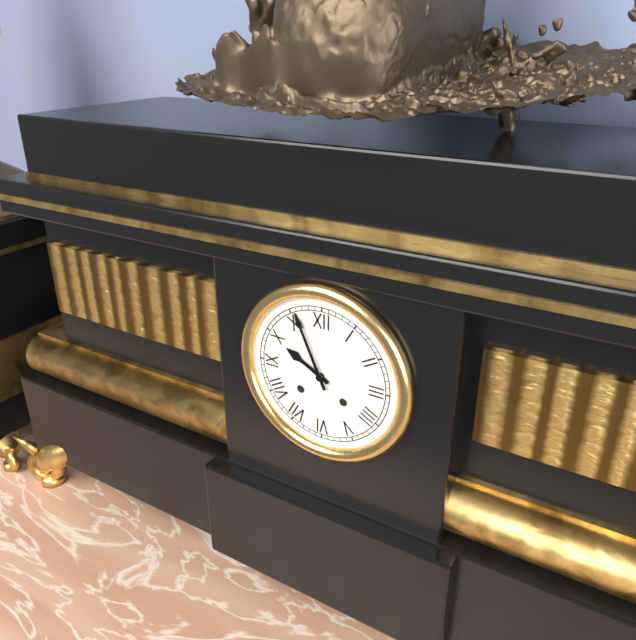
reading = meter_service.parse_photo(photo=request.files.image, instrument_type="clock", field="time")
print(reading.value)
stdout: 9:56
